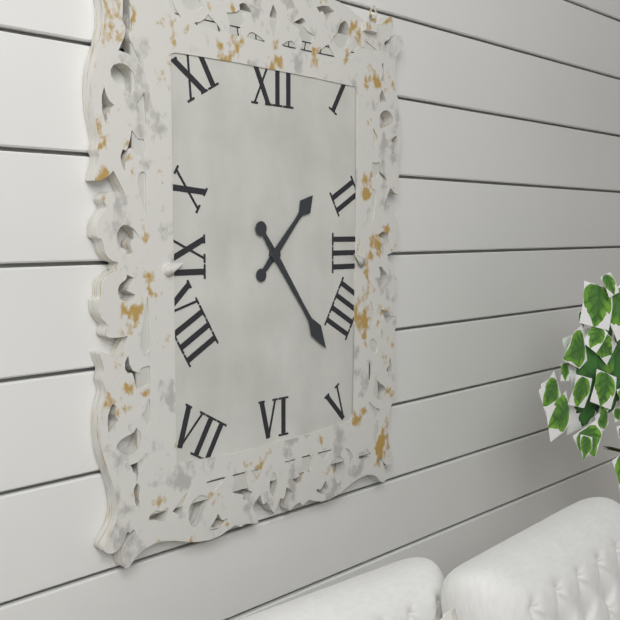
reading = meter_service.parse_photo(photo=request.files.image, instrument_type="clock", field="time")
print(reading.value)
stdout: 1:24
